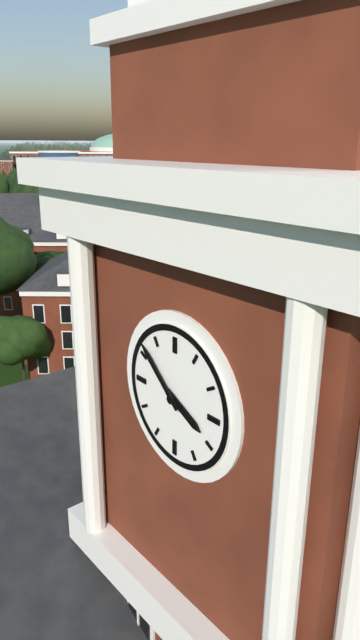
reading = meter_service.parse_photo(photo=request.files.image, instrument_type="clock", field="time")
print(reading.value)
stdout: 3:52
